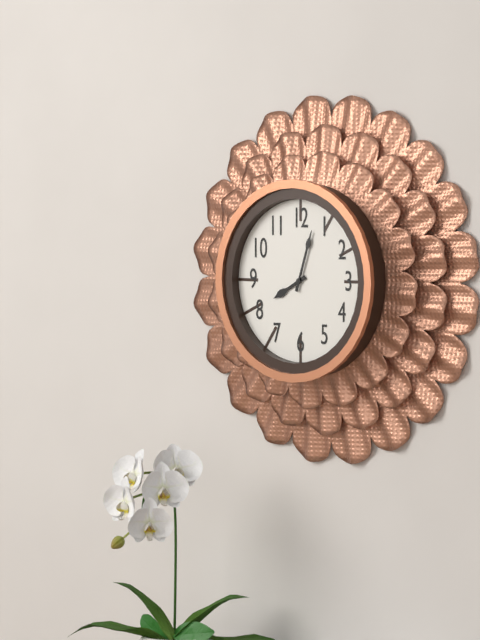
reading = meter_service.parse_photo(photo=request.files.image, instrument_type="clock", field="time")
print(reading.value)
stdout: 8:03
